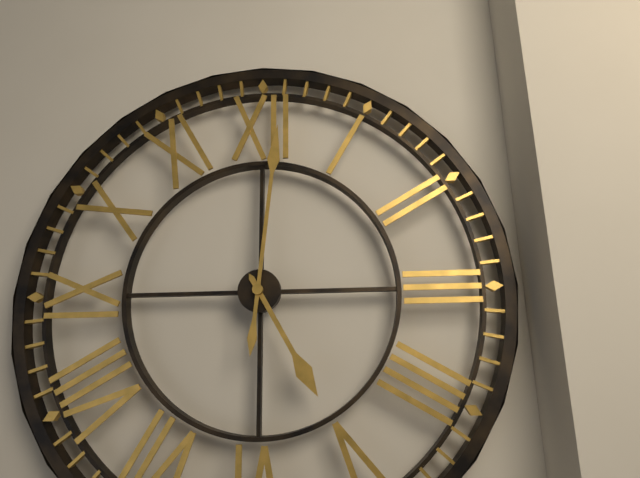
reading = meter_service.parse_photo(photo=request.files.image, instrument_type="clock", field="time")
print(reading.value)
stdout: 5:01
